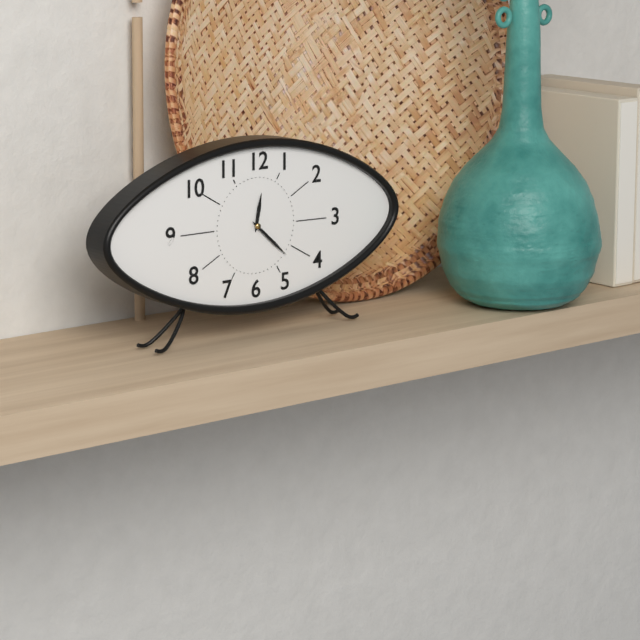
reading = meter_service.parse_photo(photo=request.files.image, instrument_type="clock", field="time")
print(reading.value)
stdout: 12:22
